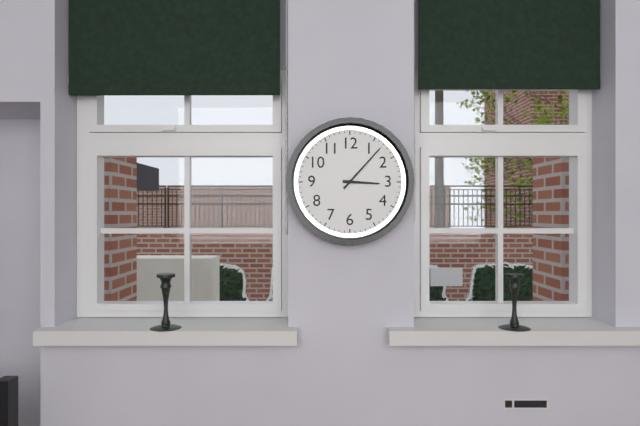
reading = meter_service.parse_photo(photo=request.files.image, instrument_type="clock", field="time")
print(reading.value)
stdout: 3:07
